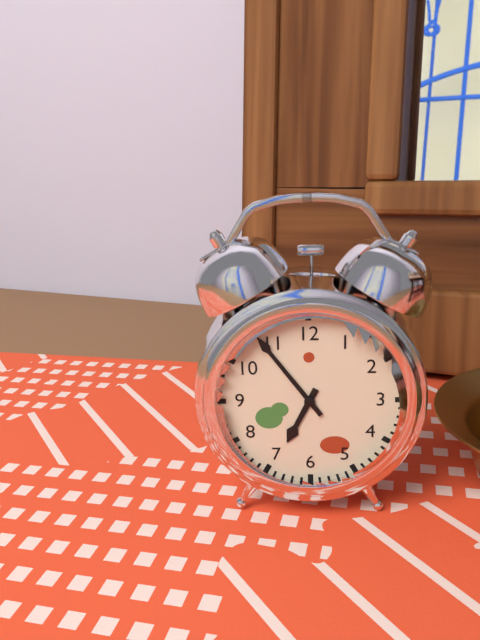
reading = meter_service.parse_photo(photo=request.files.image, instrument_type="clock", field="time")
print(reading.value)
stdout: 6:54
